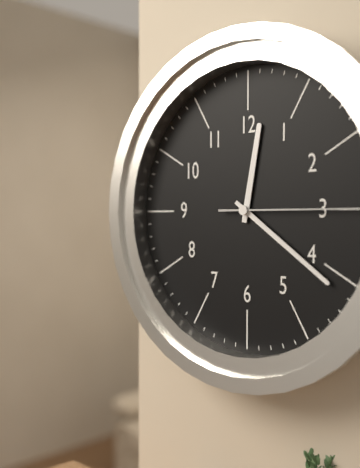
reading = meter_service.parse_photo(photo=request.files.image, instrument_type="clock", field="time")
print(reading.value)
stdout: 12:21
